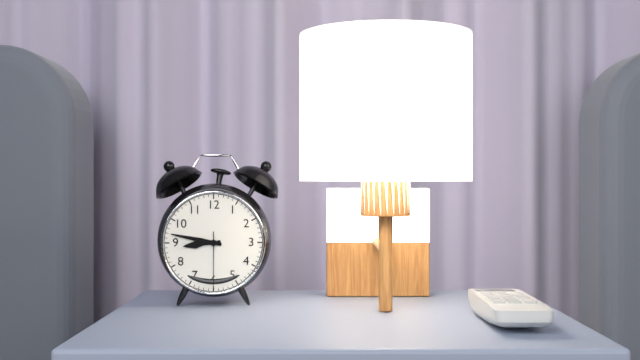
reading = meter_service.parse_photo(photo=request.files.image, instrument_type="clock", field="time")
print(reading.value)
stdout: 8:47:30
